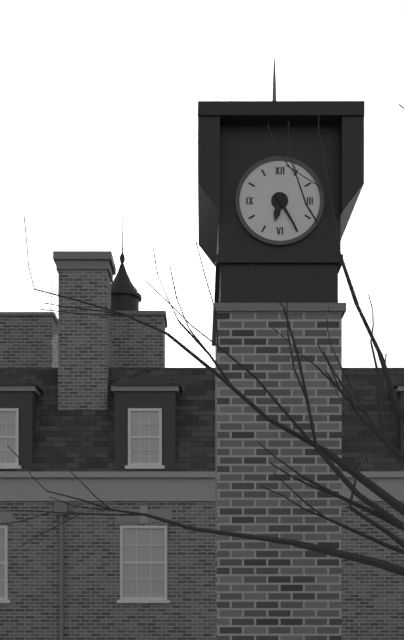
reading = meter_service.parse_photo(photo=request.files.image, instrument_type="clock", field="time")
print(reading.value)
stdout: 6:25
